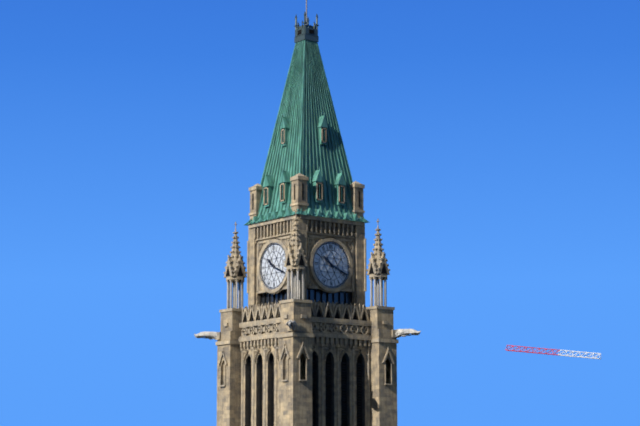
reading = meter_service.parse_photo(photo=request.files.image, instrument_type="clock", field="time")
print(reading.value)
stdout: 10:19
